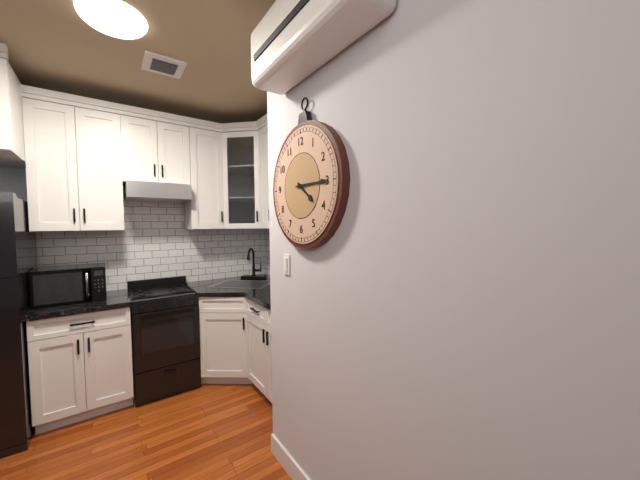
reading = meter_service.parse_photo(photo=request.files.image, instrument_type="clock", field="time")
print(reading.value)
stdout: 4:15
